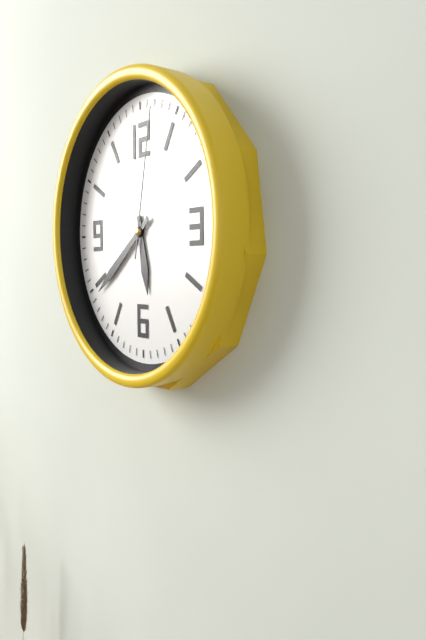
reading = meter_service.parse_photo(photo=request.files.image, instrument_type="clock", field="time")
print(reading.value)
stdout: 5:39:02
